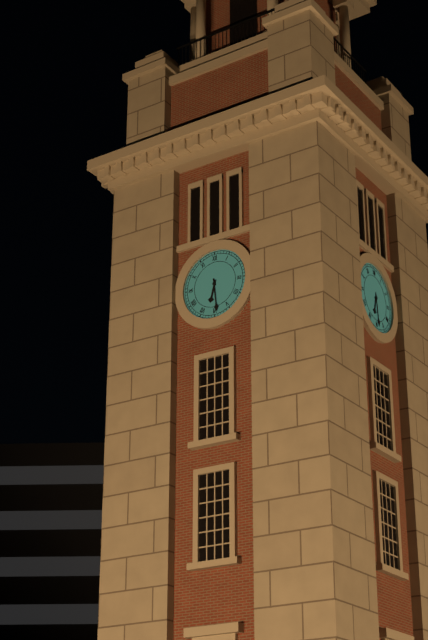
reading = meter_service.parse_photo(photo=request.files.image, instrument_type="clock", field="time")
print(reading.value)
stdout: 6:29
